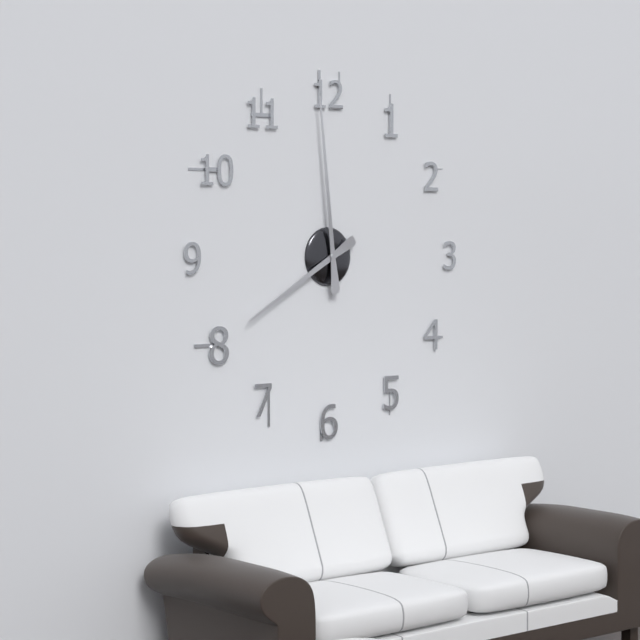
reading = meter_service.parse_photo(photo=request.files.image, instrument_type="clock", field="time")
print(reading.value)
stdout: 7:59
